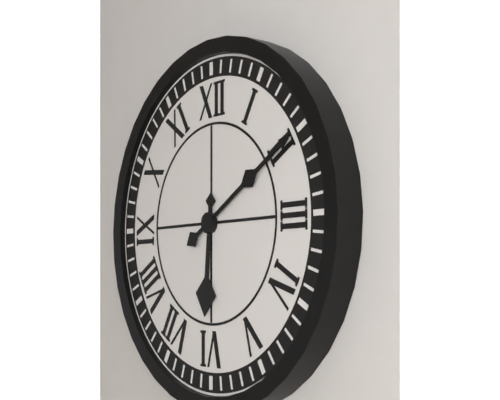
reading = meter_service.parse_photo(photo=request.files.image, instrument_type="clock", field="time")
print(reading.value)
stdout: 6:10
